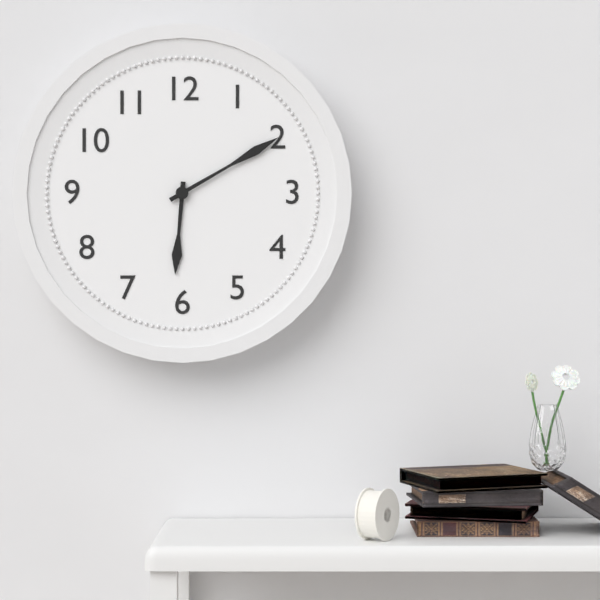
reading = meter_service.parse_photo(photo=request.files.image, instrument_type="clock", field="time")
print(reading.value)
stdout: 6:10
